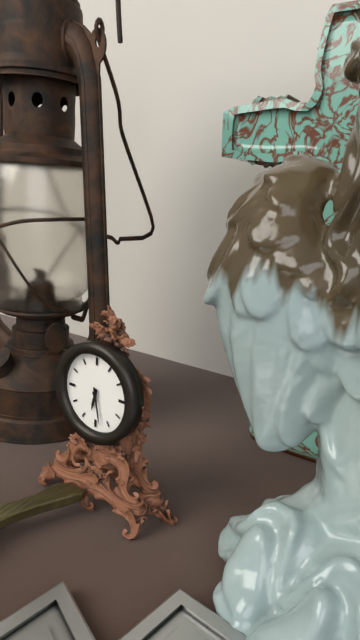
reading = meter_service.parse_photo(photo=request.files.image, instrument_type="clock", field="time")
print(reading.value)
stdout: 6:28
